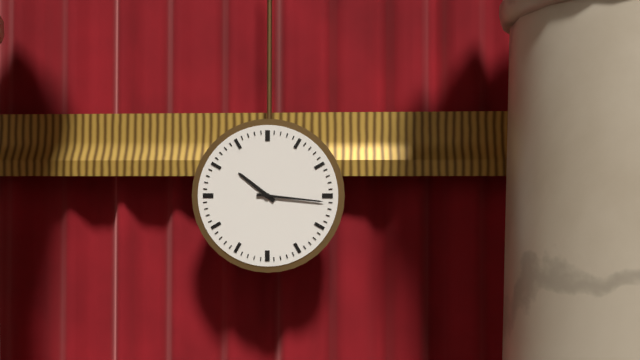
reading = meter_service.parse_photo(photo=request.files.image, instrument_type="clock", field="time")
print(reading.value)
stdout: 10:16
